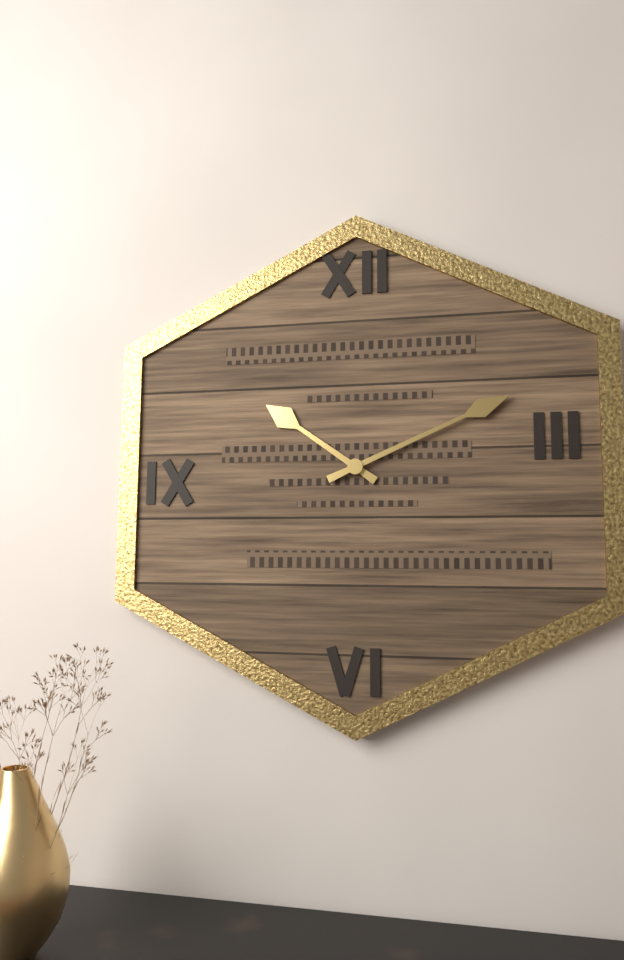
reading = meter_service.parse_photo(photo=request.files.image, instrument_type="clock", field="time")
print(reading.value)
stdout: 10:11
